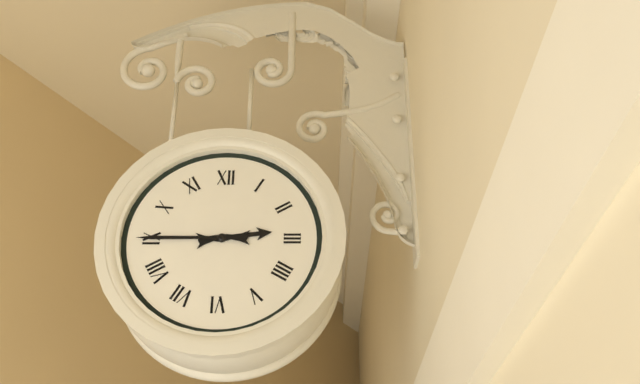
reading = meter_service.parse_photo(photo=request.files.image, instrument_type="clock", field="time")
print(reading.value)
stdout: 2:45
